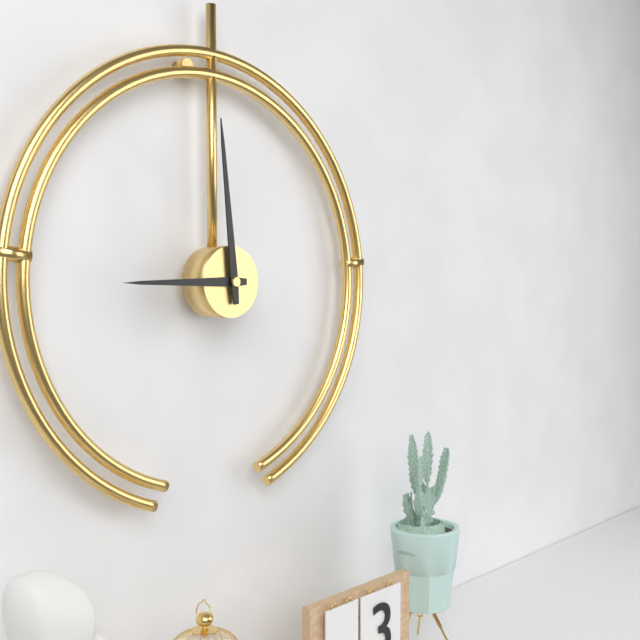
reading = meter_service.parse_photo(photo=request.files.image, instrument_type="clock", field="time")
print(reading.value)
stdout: 8:59
